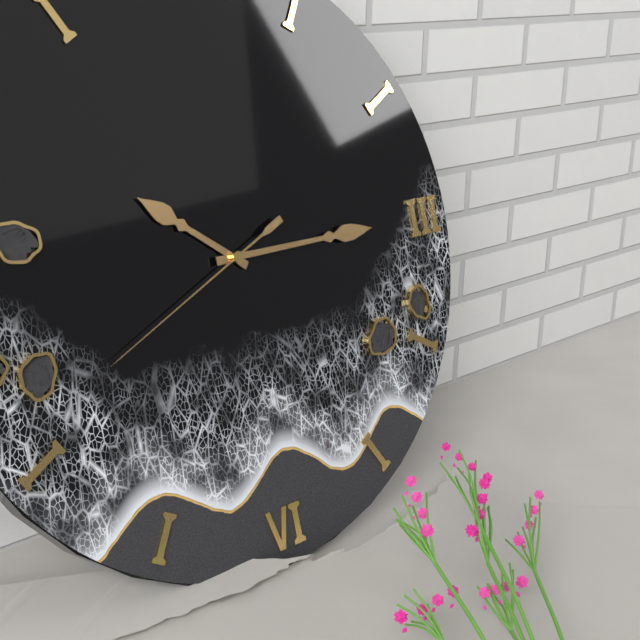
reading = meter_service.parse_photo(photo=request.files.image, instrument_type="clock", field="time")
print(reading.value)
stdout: 10:15:41
